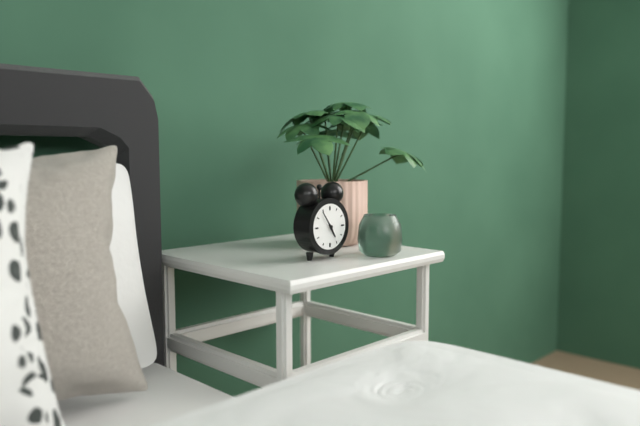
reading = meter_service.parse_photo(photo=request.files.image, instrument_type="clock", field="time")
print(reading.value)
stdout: 4:54
